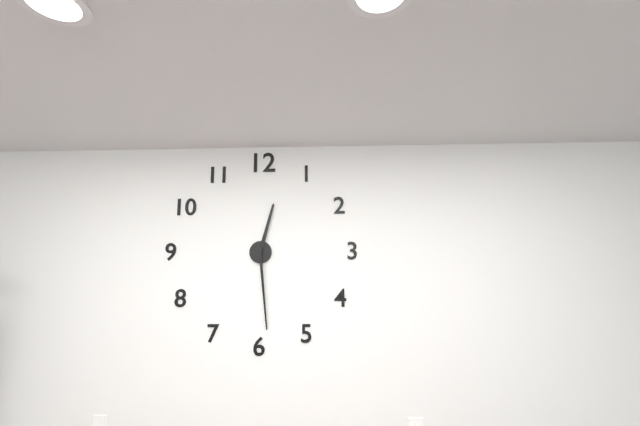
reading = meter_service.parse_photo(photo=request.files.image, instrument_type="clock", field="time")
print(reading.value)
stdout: 12:29
